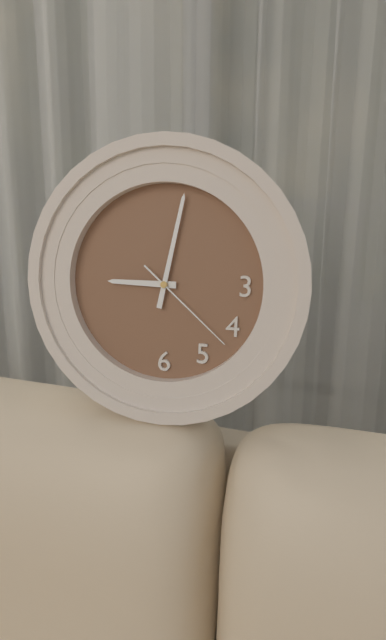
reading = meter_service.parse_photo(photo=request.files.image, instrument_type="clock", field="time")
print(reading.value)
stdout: 9:02:22
